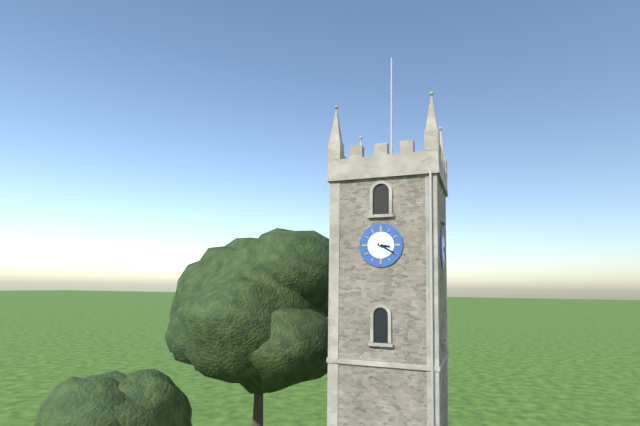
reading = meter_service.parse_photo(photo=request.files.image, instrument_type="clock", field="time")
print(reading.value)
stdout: 3:20
